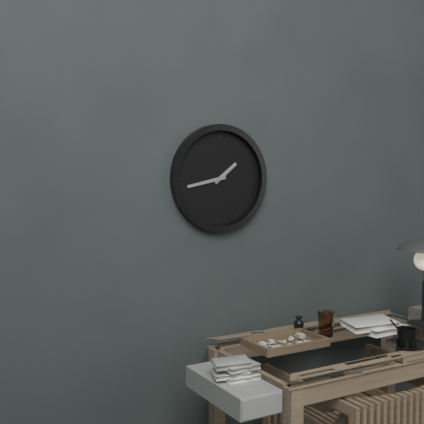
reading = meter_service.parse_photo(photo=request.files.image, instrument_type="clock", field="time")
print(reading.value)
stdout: 1:43
